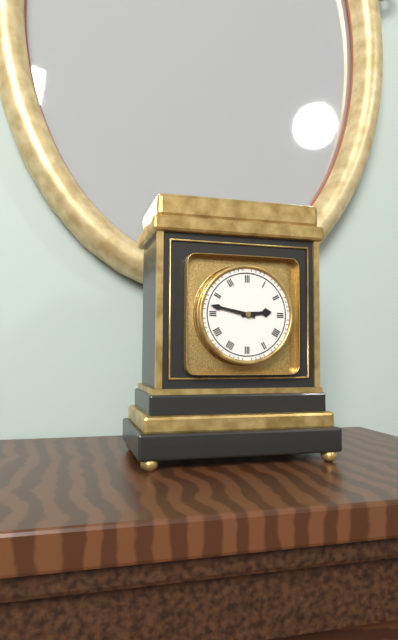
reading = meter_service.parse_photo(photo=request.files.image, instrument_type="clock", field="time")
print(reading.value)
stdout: 2:47
